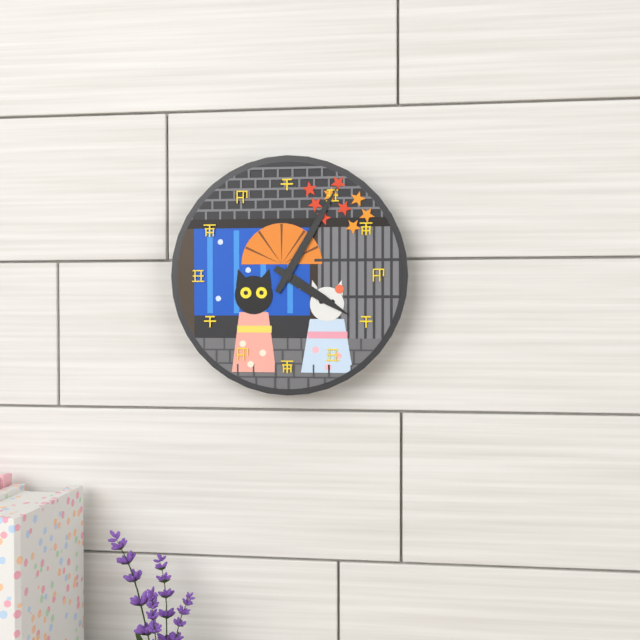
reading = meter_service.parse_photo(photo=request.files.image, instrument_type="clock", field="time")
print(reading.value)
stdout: 4:05
